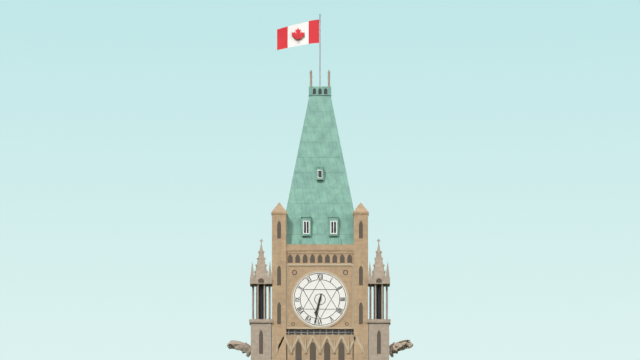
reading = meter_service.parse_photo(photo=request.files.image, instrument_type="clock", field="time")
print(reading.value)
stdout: 6:32
